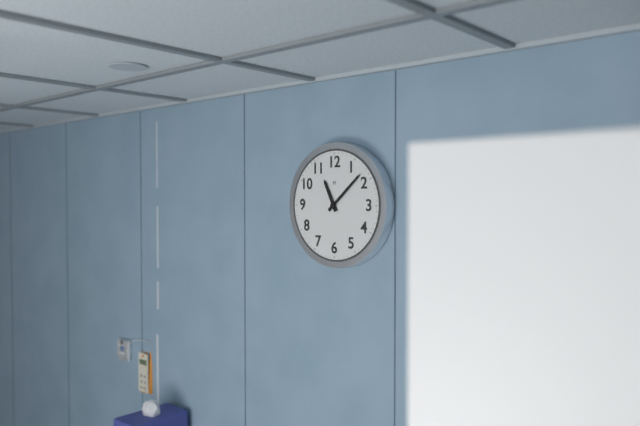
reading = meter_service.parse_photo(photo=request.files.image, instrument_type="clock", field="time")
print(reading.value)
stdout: 11:08
